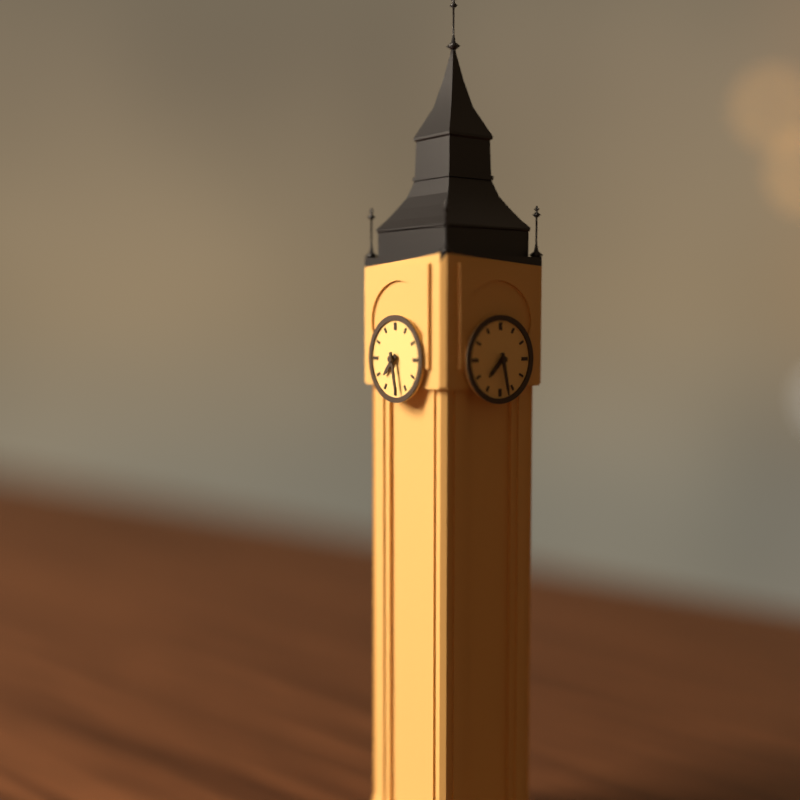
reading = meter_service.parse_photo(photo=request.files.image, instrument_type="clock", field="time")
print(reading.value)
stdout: 7:28
